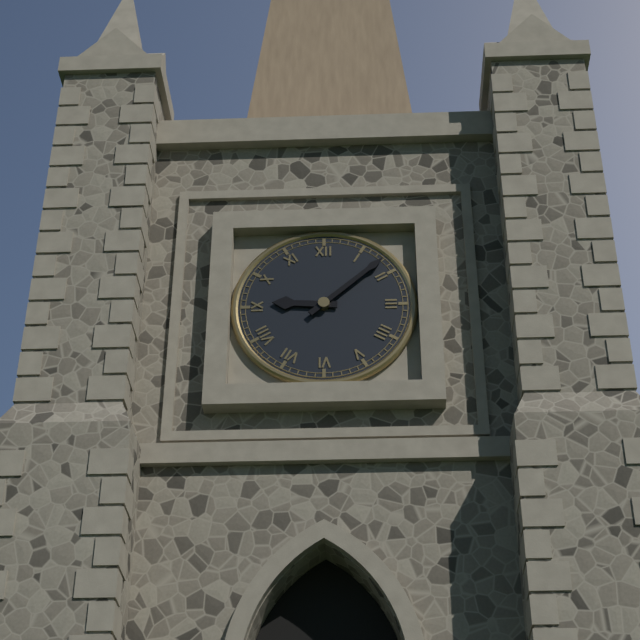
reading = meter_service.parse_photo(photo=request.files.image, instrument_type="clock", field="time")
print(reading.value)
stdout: 9:08
